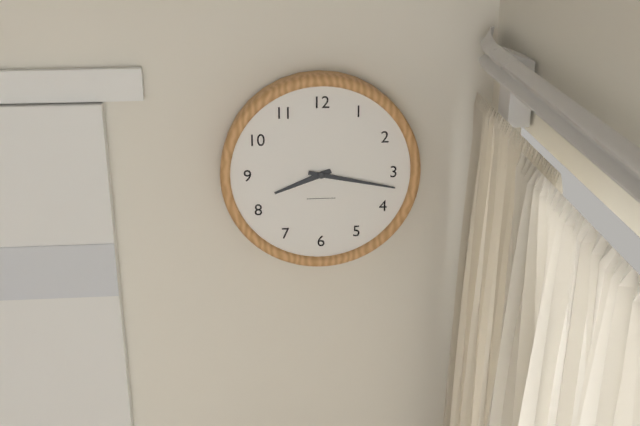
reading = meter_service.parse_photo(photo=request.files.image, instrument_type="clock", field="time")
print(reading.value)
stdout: 8:17
